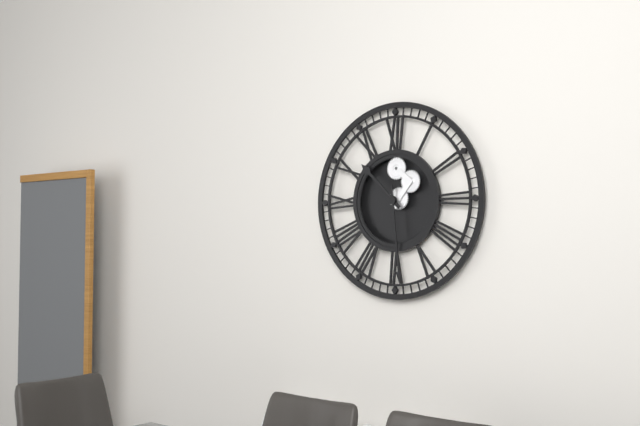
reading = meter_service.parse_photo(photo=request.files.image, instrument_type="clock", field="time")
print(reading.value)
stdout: 10:29
